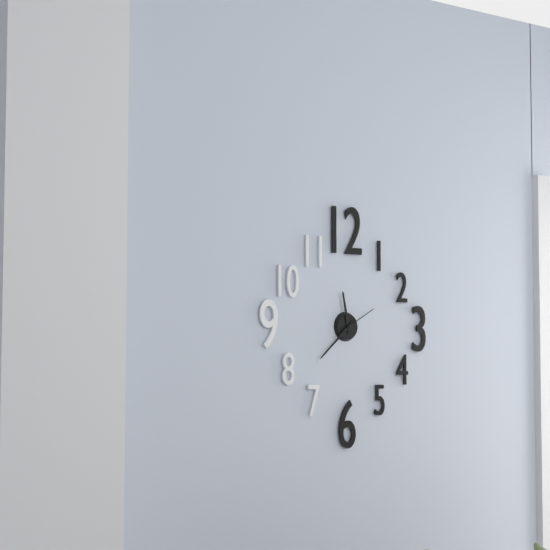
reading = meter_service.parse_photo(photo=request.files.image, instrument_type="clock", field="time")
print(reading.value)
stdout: 11:38
